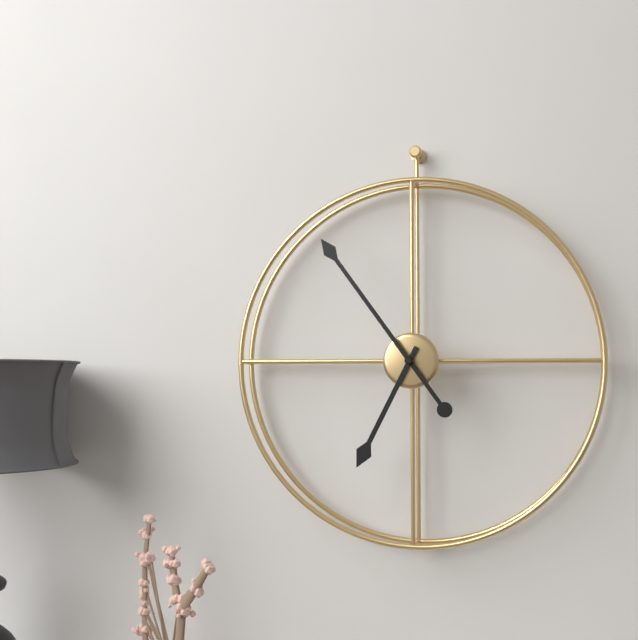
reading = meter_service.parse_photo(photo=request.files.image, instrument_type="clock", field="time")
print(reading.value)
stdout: 6:54
